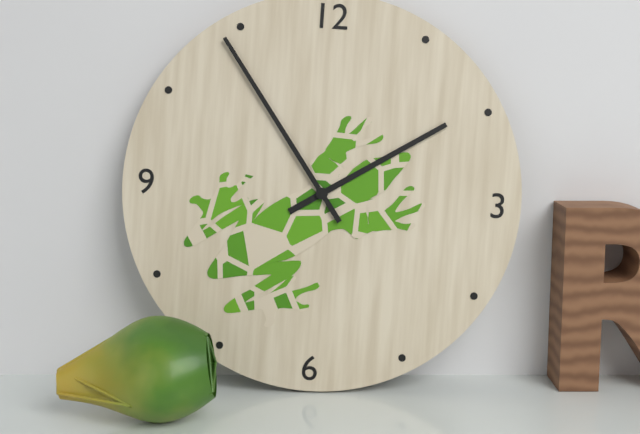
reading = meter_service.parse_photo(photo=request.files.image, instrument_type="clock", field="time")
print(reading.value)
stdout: 1:54
